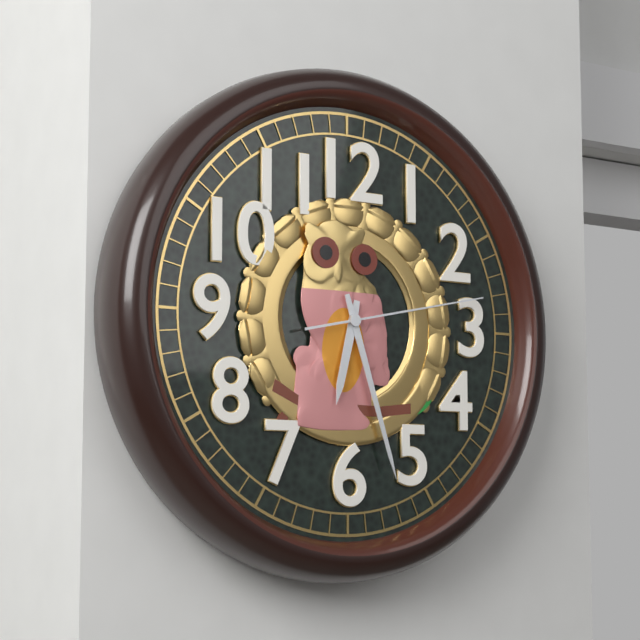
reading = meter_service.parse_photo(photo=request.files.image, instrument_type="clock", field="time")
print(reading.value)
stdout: 6:27:13
